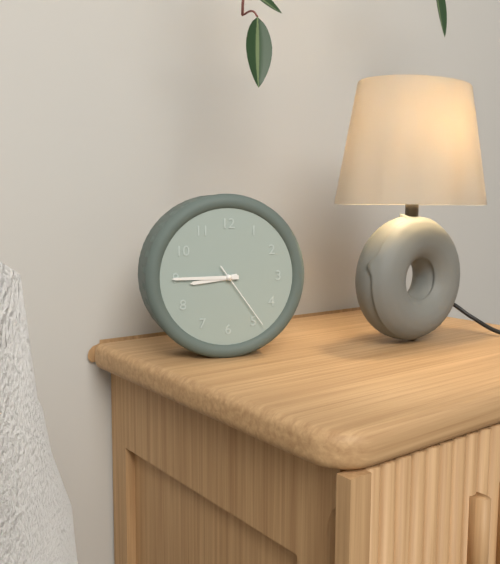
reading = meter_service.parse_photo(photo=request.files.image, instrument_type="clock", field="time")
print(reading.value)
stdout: 8:45:24
